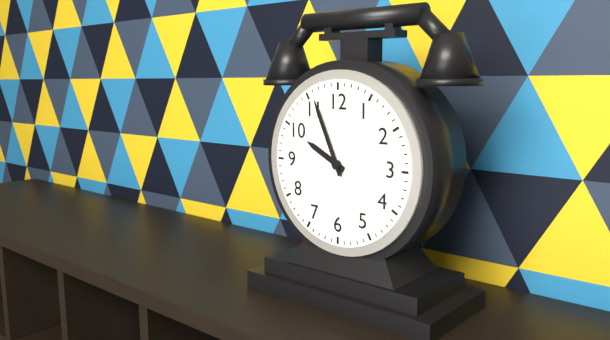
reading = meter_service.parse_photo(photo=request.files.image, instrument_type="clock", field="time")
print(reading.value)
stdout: 9:56
